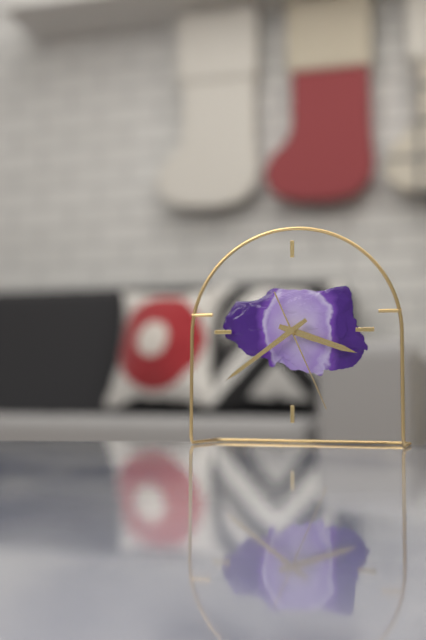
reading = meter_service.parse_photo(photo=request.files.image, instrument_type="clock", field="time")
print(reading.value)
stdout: 3:39:26
